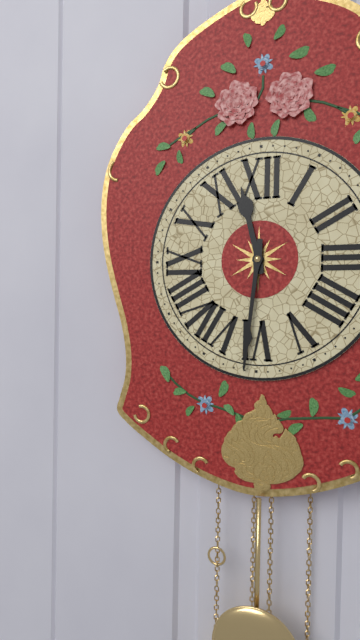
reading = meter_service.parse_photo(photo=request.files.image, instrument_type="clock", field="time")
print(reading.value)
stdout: 11:31
